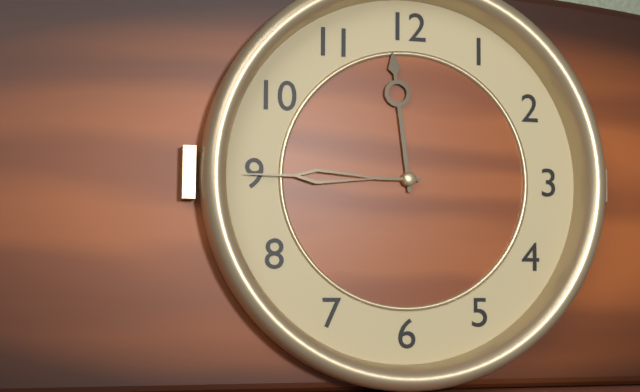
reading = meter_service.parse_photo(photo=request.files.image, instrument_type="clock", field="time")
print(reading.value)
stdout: 11:45
